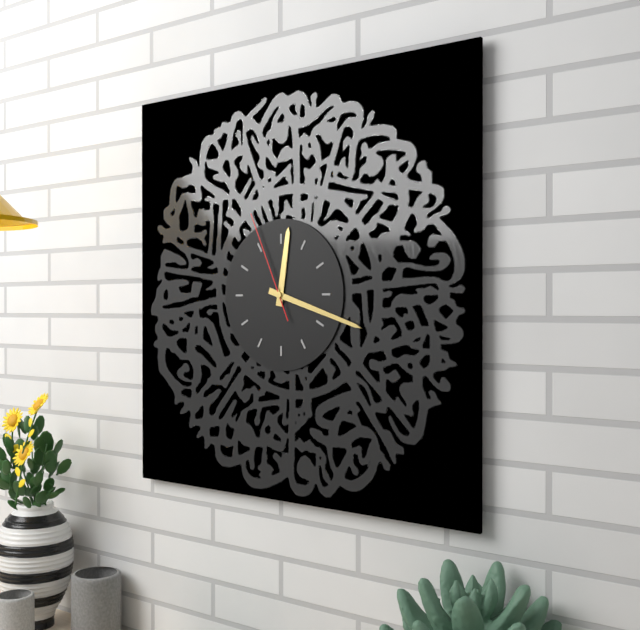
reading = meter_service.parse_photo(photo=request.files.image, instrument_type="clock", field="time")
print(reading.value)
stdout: 12:18:56
